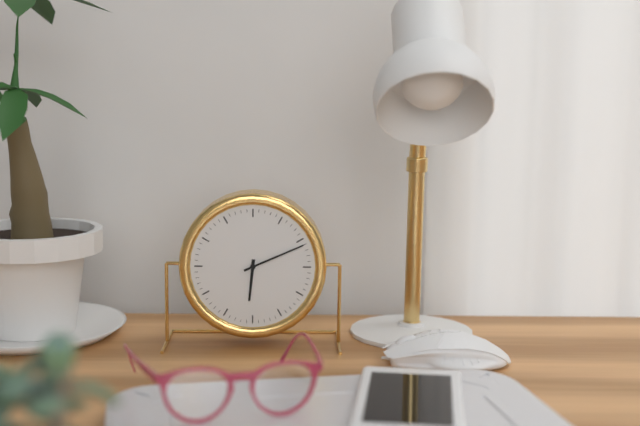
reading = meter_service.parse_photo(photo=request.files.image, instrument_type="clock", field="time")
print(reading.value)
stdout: 6:11
